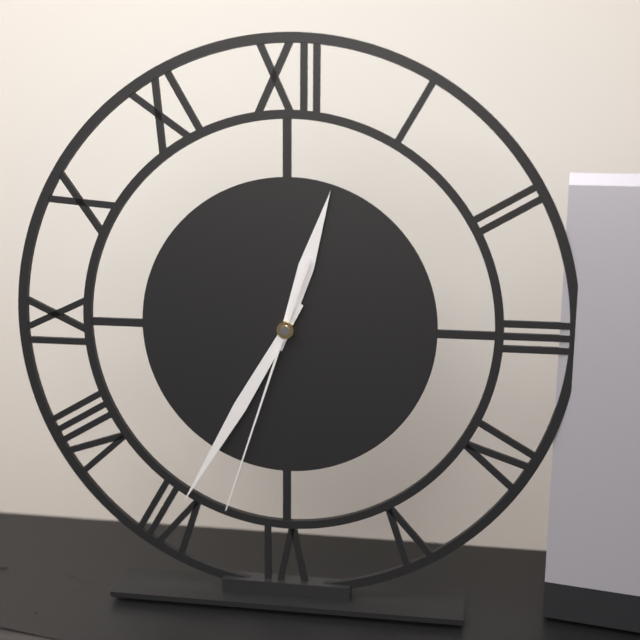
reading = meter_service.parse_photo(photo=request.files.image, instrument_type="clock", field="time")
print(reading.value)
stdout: 12:35:33
